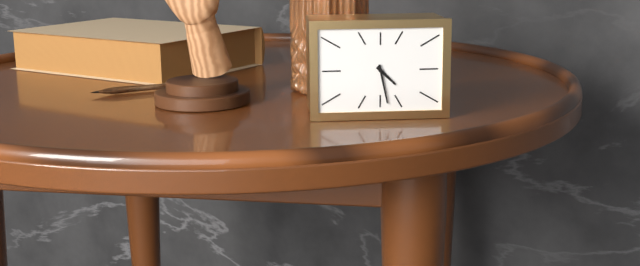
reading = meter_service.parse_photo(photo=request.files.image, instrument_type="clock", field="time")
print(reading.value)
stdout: 4:28
